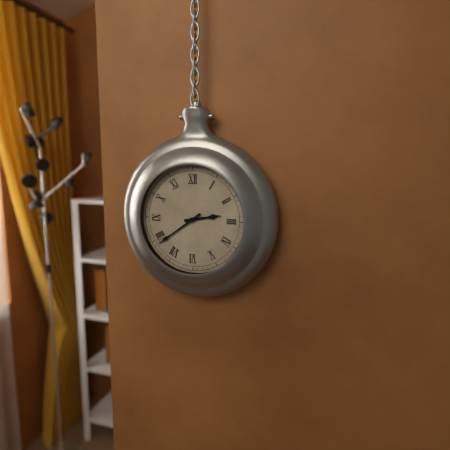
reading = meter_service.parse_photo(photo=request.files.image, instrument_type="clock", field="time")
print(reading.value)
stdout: 2:39
